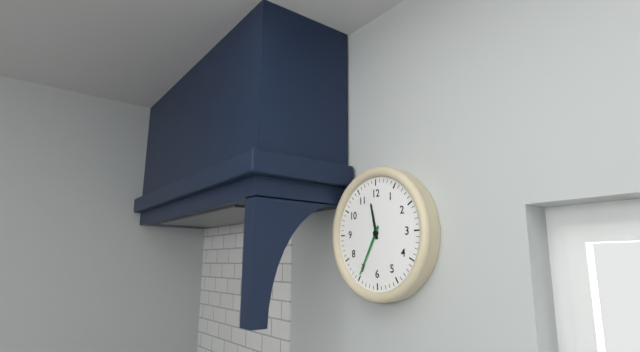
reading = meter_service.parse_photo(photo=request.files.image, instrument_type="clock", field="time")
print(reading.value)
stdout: 11:35
